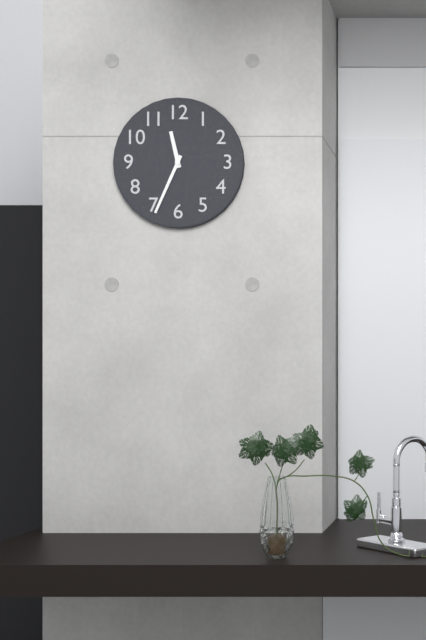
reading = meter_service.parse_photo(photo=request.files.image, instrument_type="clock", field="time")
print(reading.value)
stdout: 11:34
